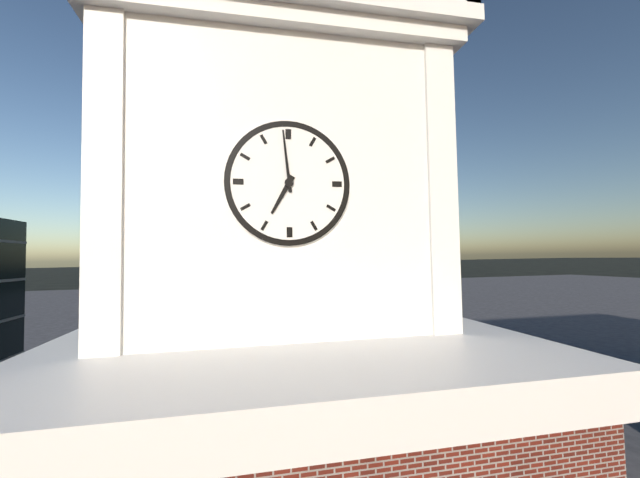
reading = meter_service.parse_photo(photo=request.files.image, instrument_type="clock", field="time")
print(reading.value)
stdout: 6:59
